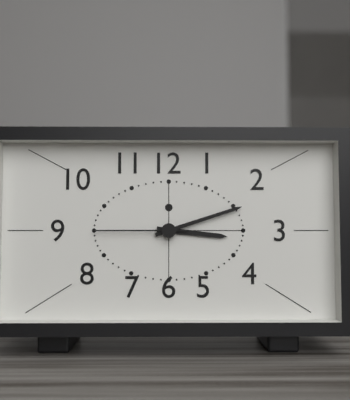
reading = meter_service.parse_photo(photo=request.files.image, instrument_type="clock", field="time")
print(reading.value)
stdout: 3:12:45
